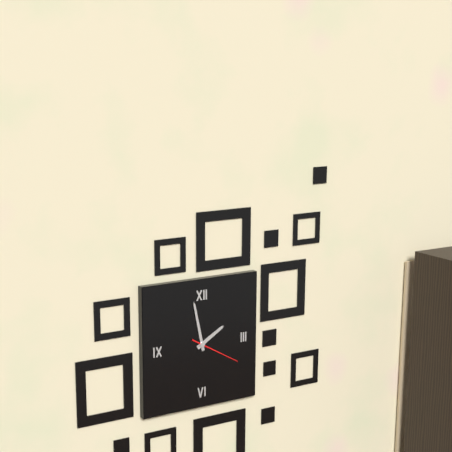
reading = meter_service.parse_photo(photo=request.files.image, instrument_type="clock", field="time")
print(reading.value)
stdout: 1:58:20
